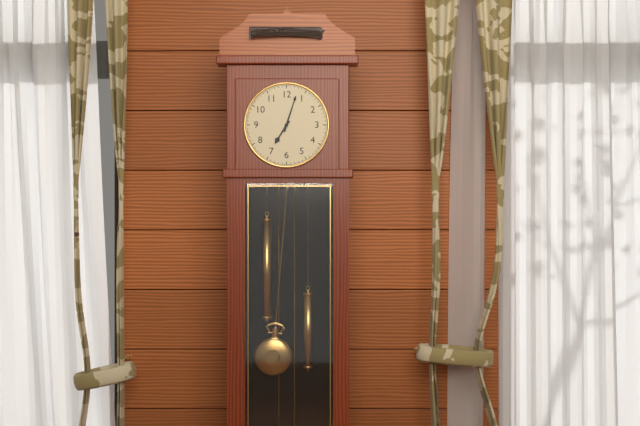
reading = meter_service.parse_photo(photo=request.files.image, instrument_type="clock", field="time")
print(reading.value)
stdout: 7:03
